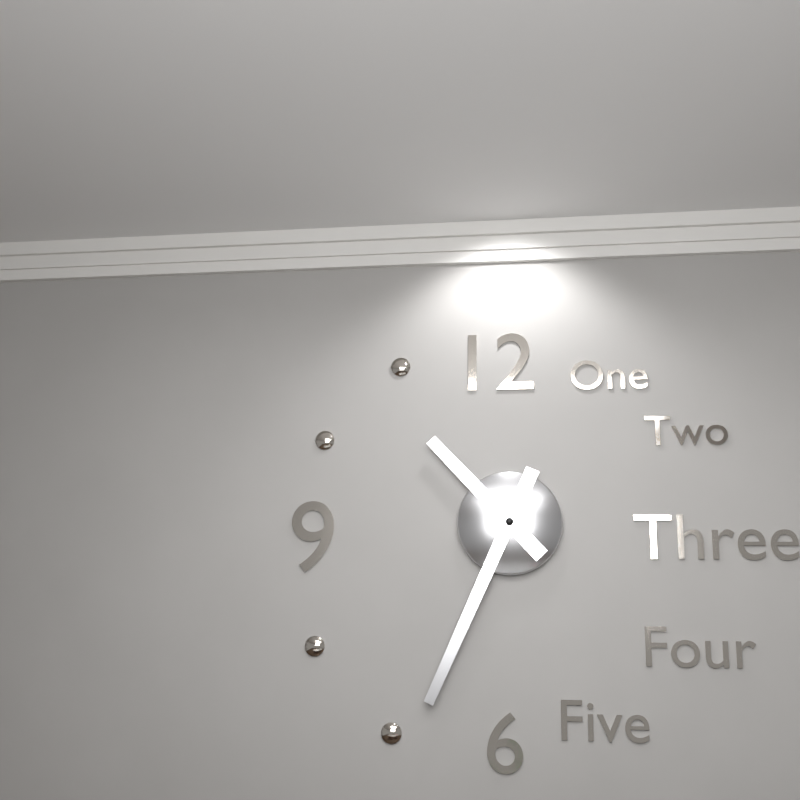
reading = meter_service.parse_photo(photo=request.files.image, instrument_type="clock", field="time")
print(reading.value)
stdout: 10:34
